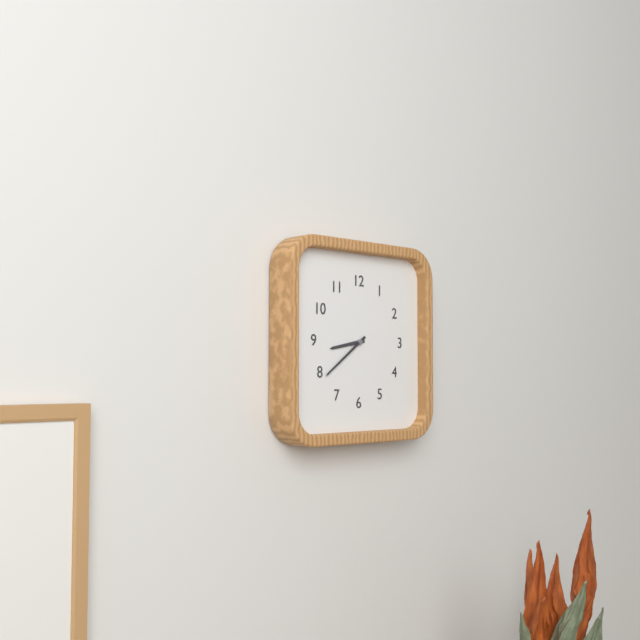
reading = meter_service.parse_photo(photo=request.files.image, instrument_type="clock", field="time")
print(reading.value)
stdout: 8:39
